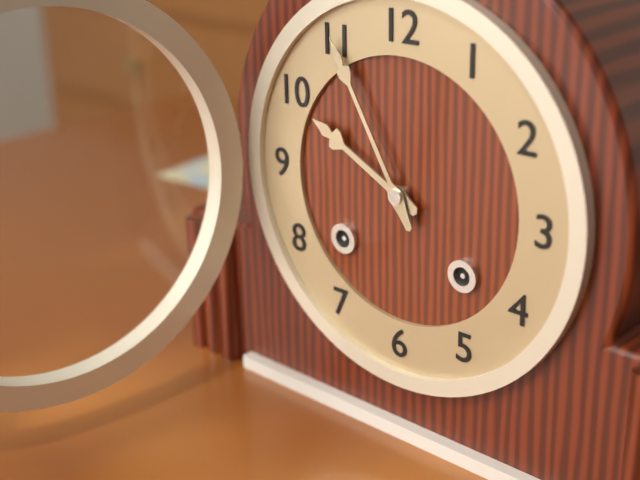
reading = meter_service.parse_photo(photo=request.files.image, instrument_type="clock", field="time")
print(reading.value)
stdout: 9:55
